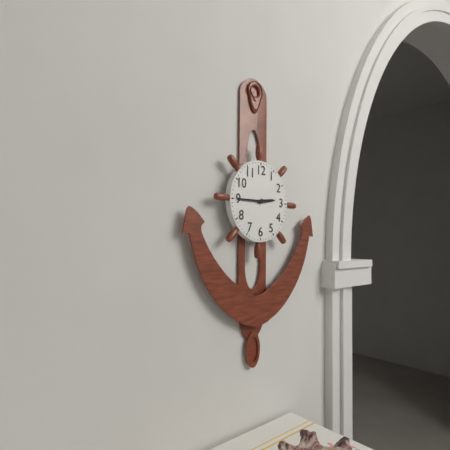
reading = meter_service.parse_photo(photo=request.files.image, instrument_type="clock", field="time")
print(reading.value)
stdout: 2:45
